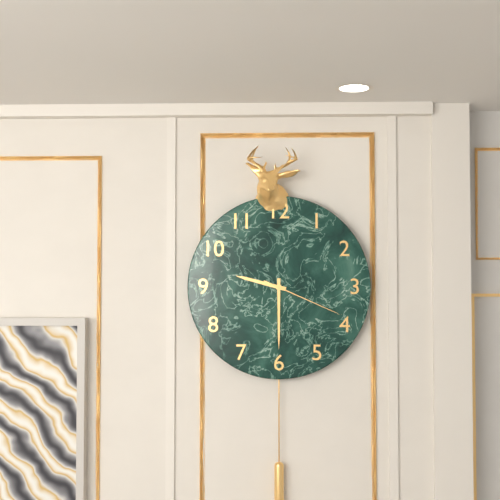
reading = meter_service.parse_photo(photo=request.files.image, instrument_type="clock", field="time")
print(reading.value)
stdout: 9:30:19
